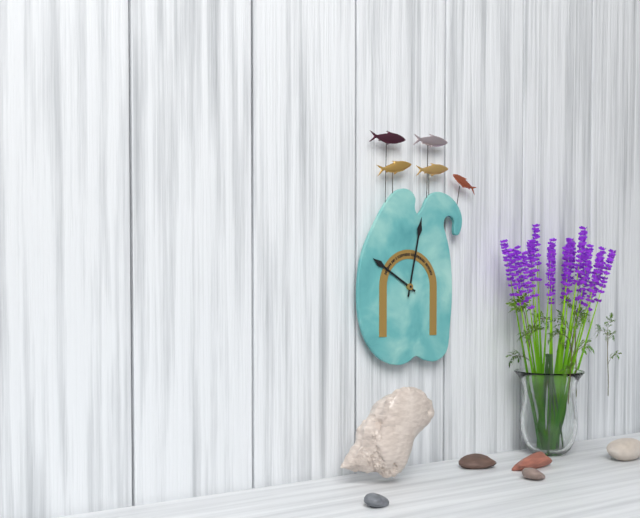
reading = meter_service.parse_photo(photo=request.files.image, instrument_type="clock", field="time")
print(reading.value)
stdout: 10:02
